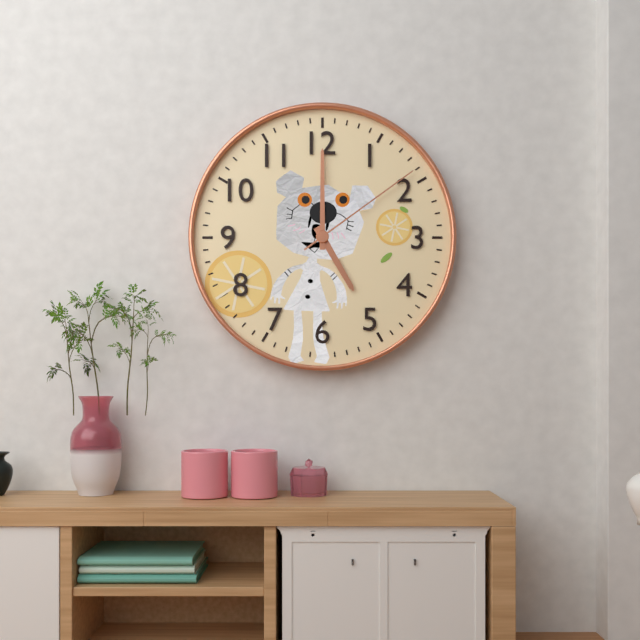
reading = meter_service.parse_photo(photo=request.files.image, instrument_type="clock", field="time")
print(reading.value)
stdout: 5:00:09
